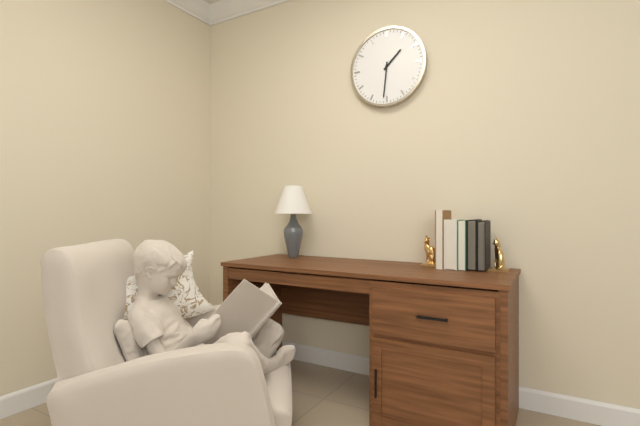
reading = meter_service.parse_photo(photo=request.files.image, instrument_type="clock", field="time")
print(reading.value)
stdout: 1:31
